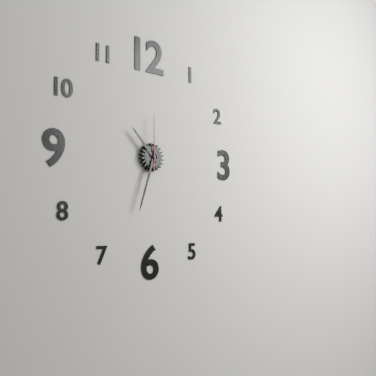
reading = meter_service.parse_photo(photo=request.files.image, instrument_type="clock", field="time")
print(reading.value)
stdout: 10:33:00
